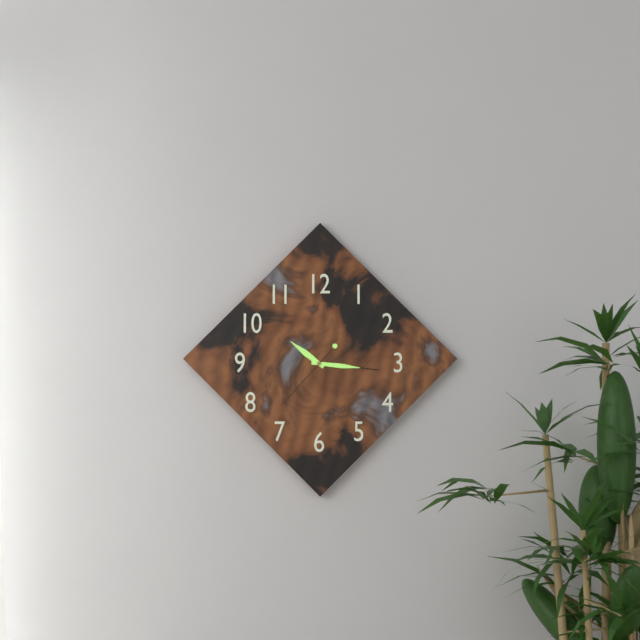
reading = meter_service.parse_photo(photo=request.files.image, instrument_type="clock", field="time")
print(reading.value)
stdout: 10:16:37
